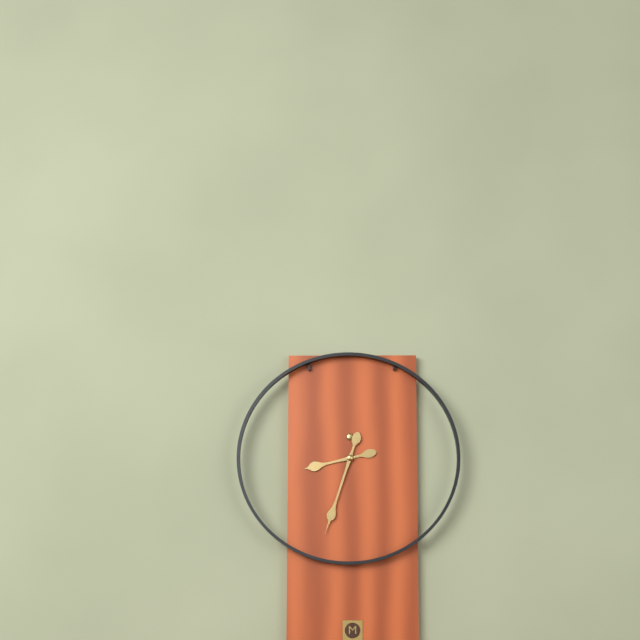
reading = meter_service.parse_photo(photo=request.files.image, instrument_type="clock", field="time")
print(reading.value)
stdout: 8:33
